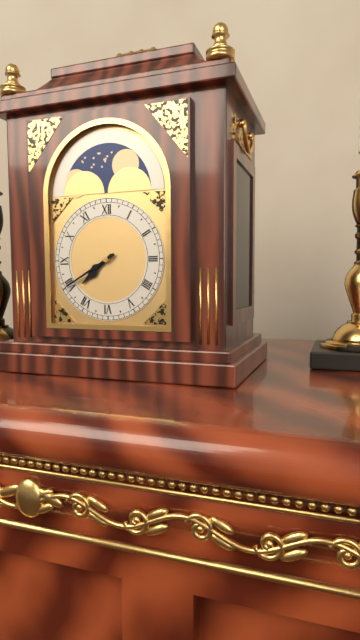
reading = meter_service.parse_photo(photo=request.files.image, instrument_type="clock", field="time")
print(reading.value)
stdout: 7:40
